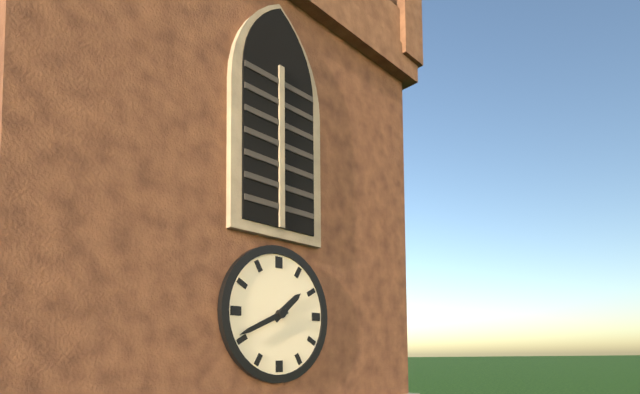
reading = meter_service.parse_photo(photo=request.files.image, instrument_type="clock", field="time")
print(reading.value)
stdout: 1:41
